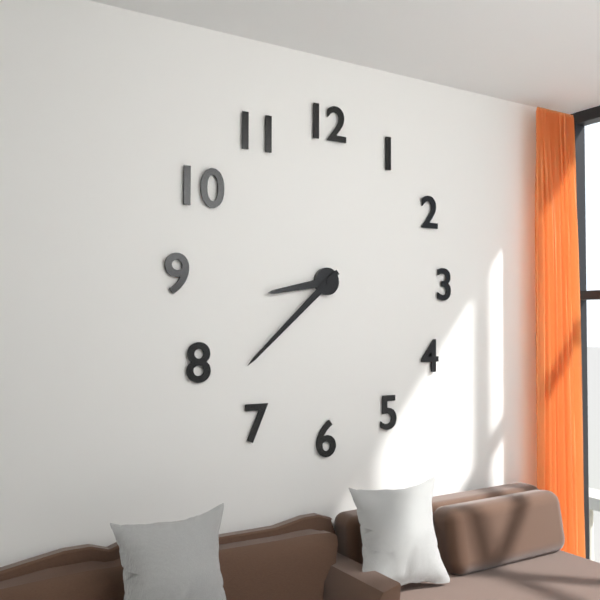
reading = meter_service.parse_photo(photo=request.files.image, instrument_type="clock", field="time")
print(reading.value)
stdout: 8:38
